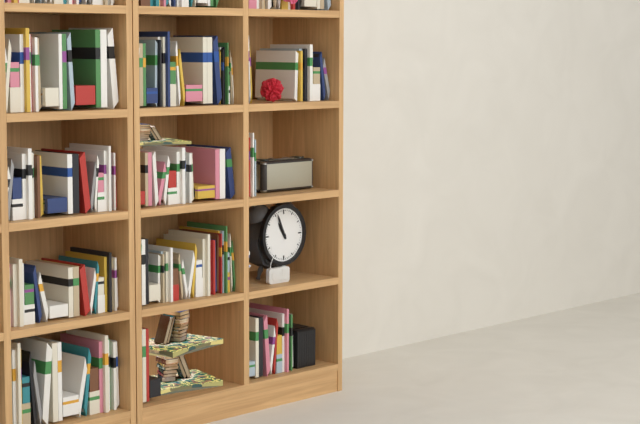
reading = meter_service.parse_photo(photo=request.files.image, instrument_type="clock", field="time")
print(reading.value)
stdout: 10:56
